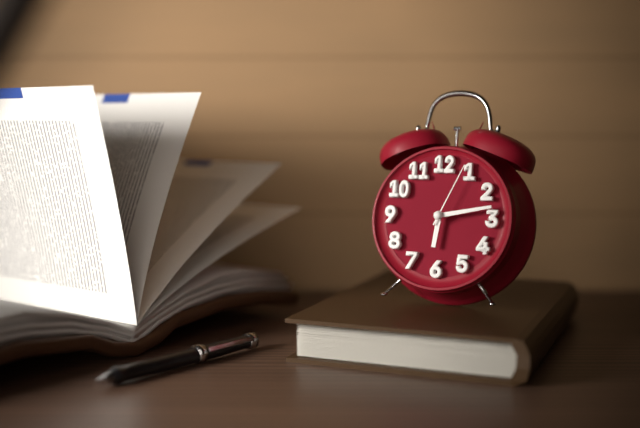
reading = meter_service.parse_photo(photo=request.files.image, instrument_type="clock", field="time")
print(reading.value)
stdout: 6:13:04
